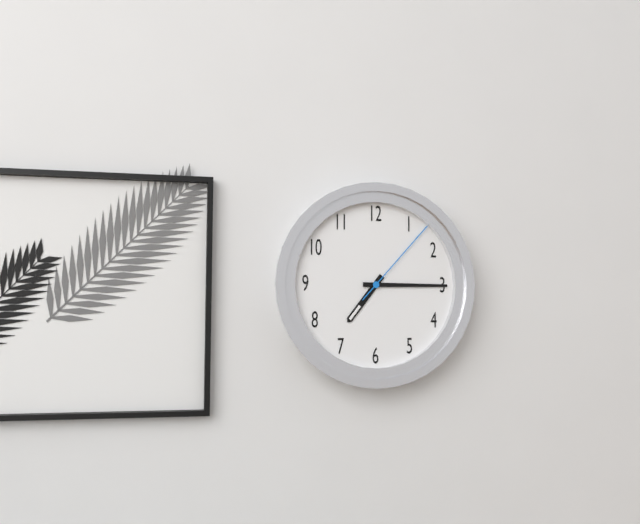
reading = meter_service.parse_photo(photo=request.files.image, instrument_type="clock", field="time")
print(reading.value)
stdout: 7:15:07
